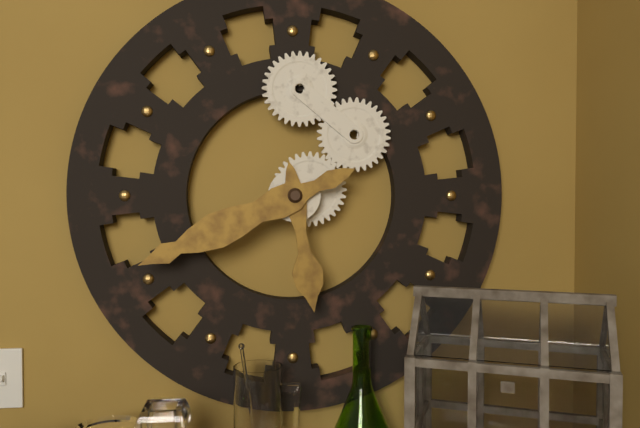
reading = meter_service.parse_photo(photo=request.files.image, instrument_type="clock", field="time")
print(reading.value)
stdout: 5:41
